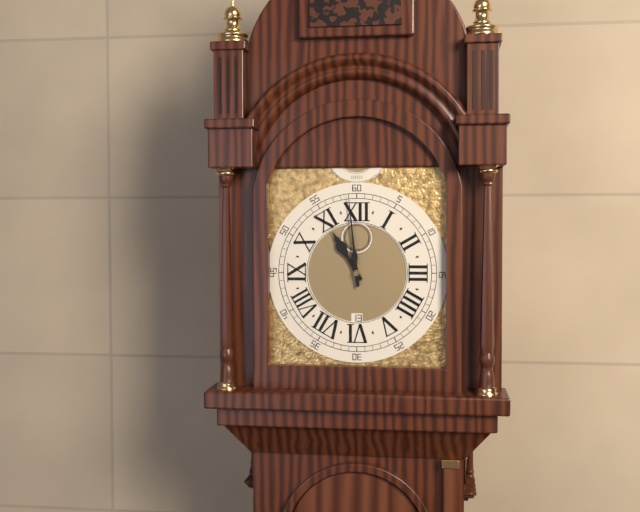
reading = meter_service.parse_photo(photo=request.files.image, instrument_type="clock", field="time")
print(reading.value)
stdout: 10:59
